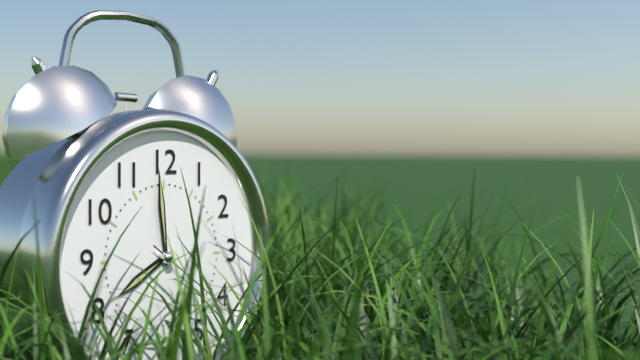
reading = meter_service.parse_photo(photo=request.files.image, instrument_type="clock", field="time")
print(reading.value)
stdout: 7:59:21
